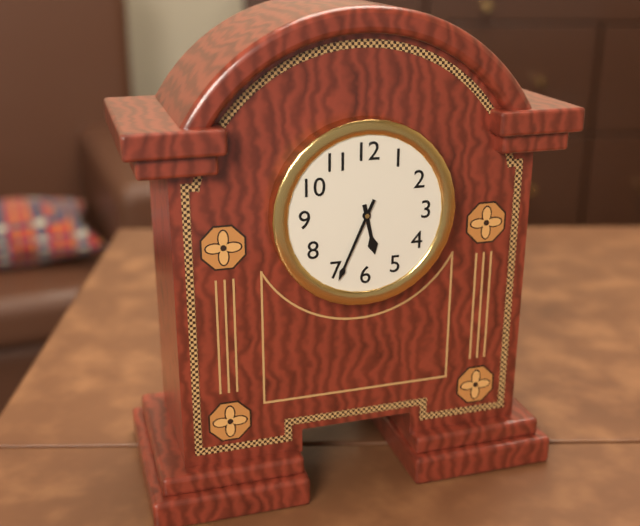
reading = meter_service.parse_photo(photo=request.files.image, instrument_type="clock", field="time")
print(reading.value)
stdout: 5:34
